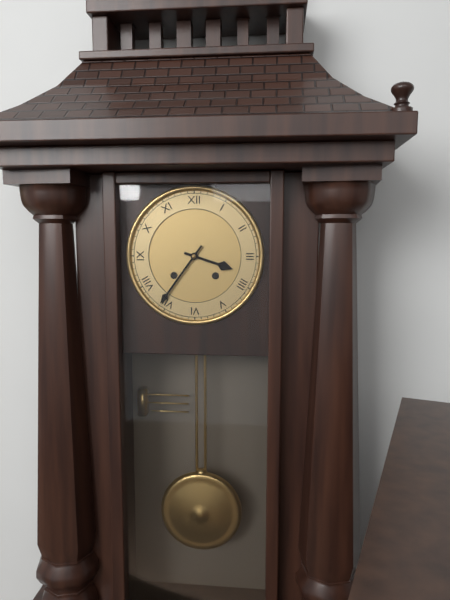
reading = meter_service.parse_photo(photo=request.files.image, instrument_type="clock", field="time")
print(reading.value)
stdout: 3:36
